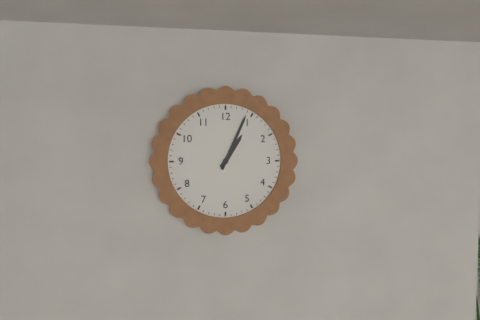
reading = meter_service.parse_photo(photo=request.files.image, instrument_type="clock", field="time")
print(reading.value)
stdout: 1:04
